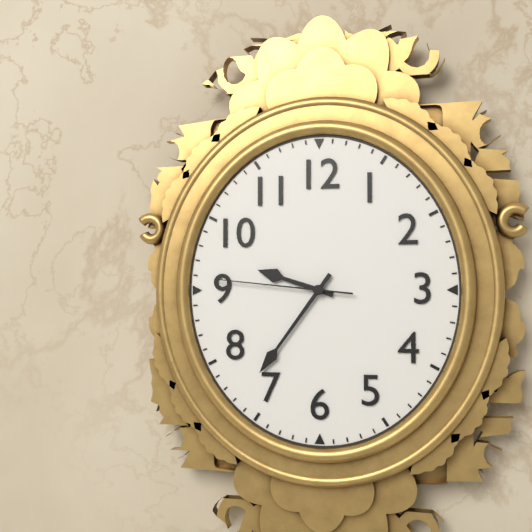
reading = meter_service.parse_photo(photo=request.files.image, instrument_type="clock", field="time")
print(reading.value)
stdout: 9:36:46
